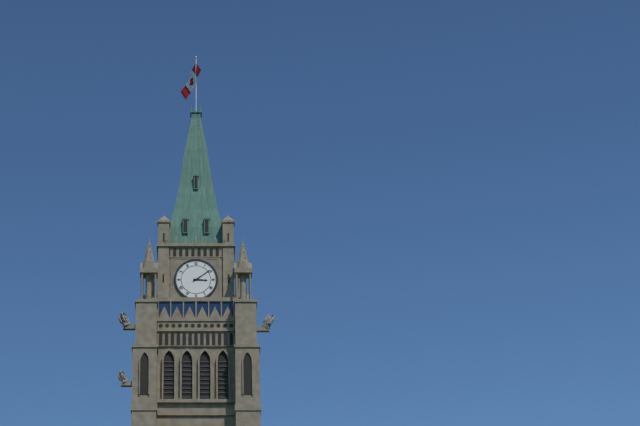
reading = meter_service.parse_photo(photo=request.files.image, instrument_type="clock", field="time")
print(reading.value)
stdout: 3:09
